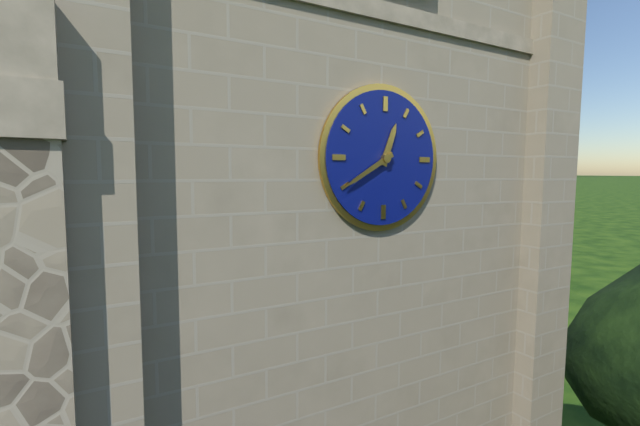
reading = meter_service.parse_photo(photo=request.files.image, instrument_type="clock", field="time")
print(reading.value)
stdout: 12:40
